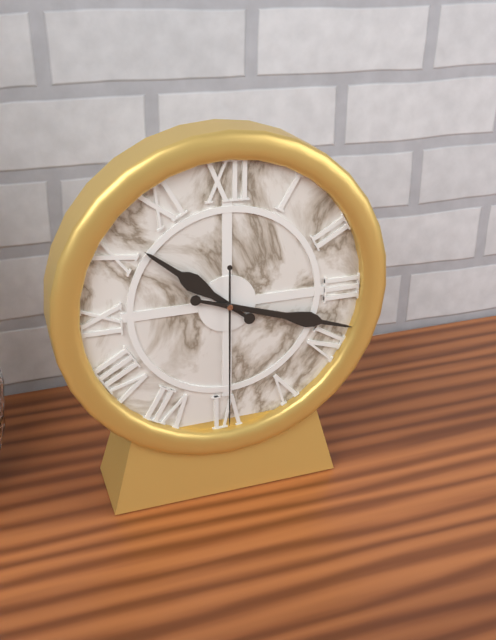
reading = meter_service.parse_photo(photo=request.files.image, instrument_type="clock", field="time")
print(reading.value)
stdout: 10:18:30
